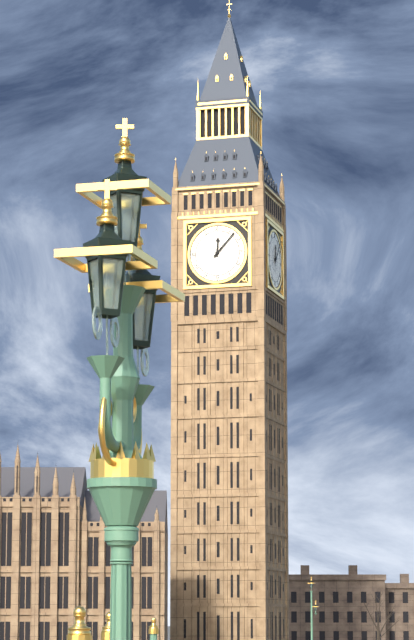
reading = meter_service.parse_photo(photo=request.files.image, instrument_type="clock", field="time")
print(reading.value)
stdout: 12:07
